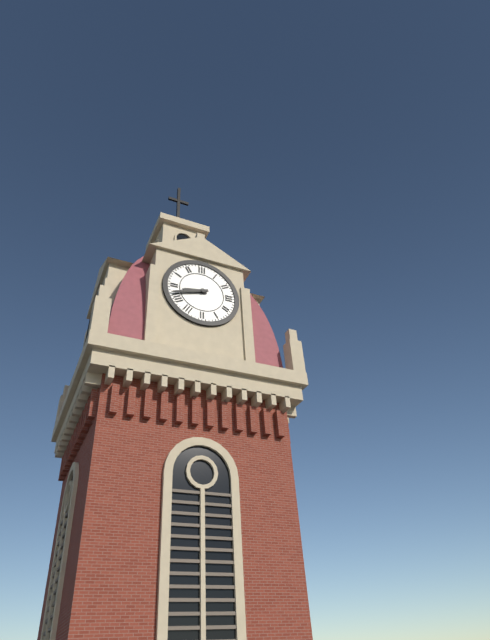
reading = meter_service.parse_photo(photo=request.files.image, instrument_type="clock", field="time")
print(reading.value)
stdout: 8:42
